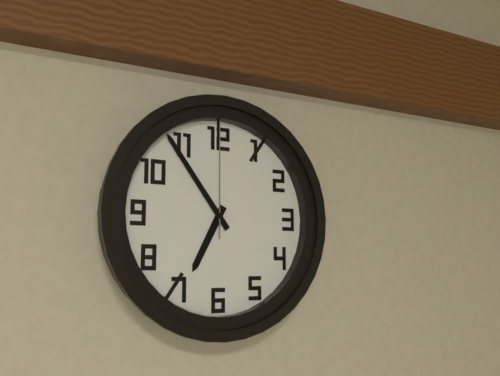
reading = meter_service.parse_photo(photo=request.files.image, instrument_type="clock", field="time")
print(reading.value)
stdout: 6:54:00
